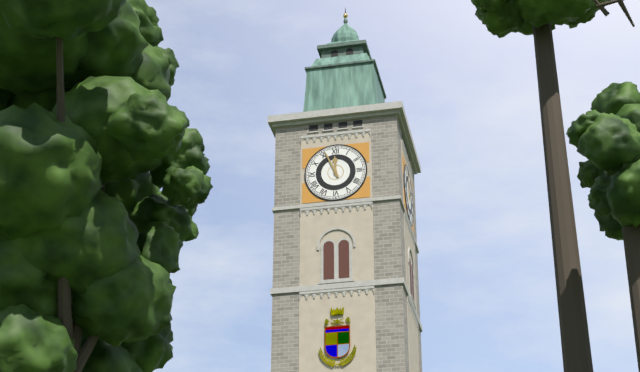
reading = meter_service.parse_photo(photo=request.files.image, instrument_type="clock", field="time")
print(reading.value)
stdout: 11:56
